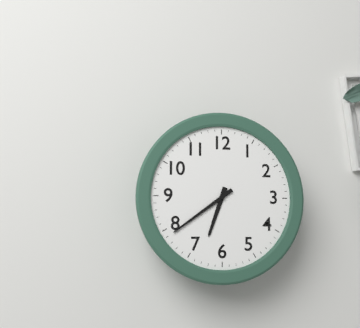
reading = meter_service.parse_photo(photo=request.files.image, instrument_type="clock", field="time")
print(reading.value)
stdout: 6:39
